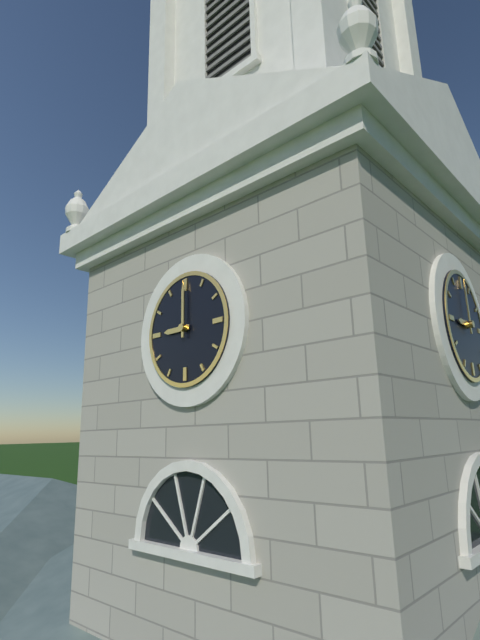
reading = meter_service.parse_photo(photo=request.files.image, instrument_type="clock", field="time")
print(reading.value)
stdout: 9:00
